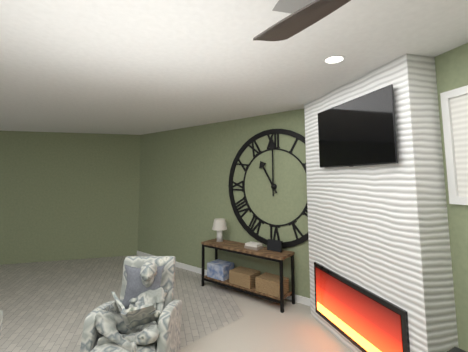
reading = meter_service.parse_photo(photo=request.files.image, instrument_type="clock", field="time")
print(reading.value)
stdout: 11:00
